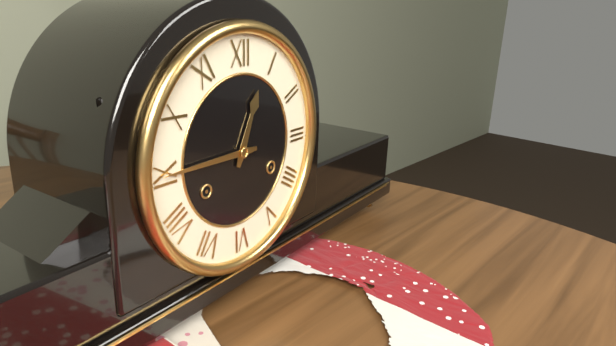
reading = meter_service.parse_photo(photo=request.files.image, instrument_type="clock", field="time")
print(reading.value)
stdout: 12:45
